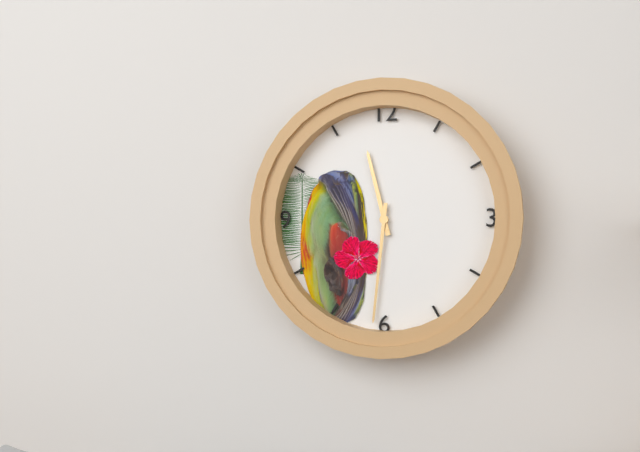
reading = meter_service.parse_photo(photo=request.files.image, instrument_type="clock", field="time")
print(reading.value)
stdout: 11:31
